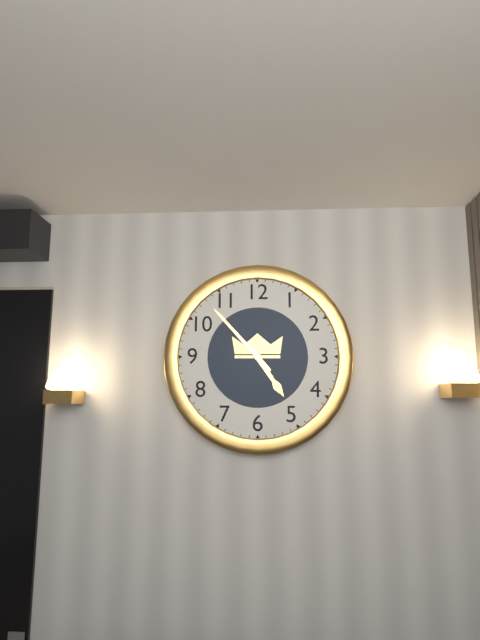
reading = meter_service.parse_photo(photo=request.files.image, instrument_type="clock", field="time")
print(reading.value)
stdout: 4:53
